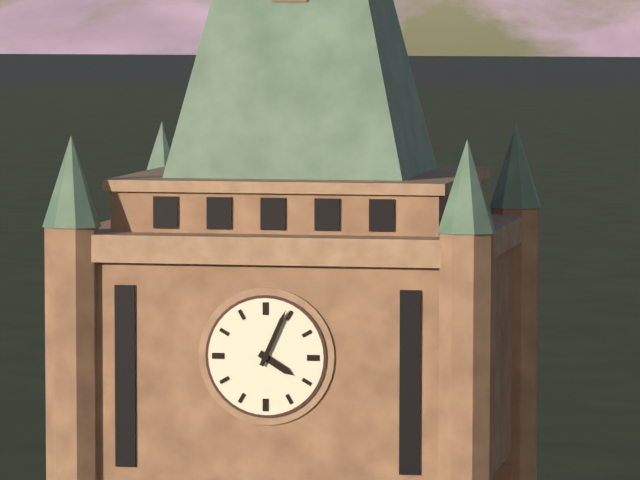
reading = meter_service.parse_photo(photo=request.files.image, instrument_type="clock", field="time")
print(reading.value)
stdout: 4:04
